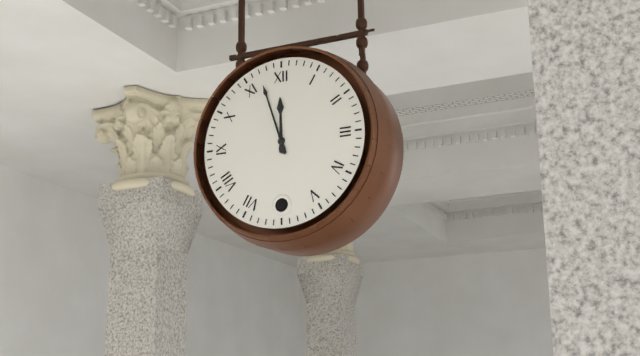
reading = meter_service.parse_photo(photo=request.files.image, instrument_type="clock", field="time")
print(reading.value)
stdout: 11:57
